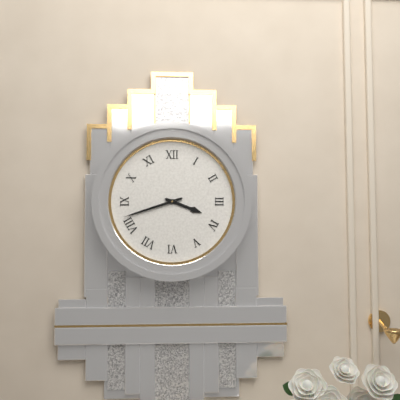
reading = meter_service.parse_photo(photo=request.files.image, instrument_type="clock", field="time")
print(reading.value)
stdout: 3:42
